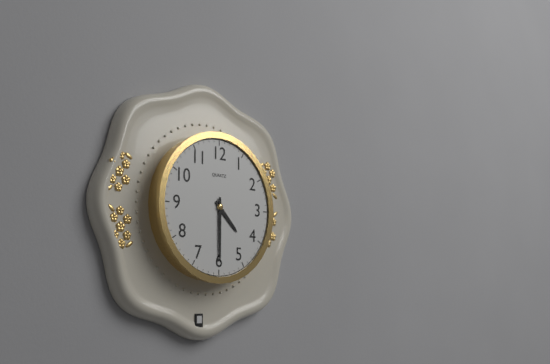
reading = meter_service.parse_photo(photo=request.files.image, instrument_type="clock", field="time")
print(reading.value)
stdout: 4:30
